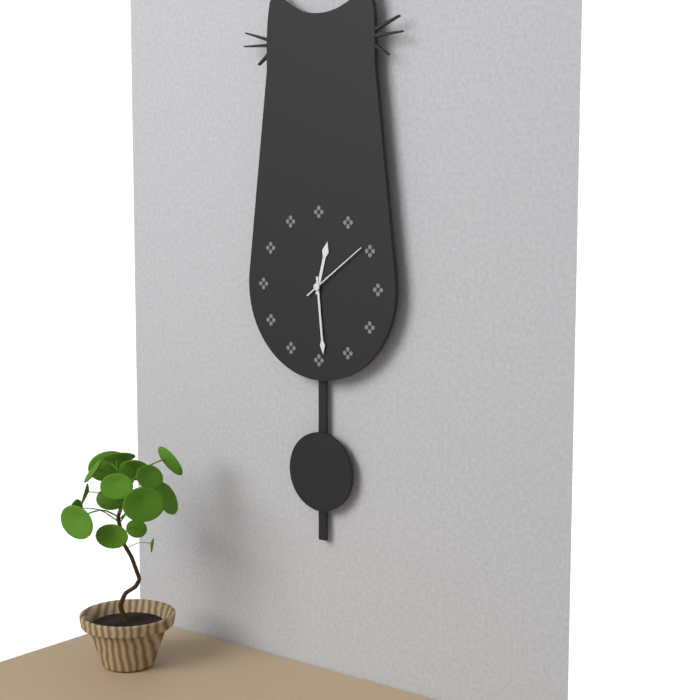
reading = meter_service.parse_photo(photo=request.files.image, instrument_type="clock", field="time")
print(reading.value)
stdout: 12:29:09
